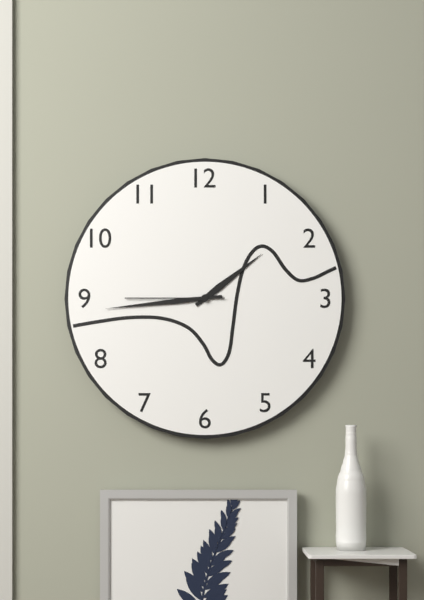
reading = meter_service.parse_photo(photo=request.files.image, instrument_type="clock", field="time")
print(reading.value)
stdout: 1:44:45
